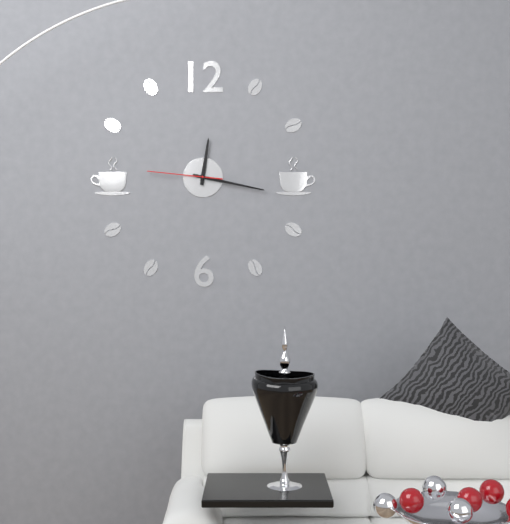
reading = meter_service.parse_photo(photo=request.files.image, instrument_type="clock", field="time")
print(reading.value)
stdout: 12:17:46
